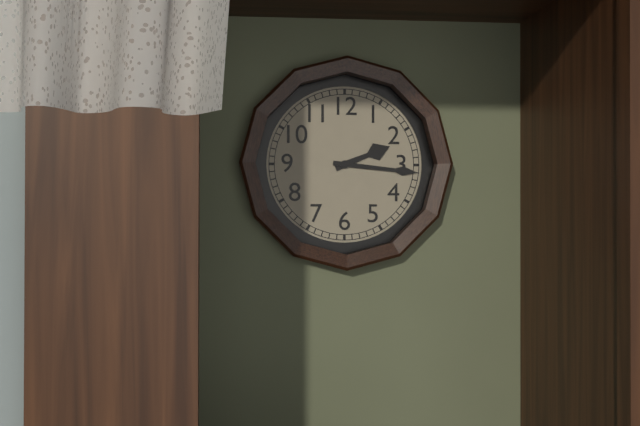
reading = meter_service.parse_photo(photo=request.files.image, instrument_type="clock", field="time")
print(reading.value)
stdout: 2:16
